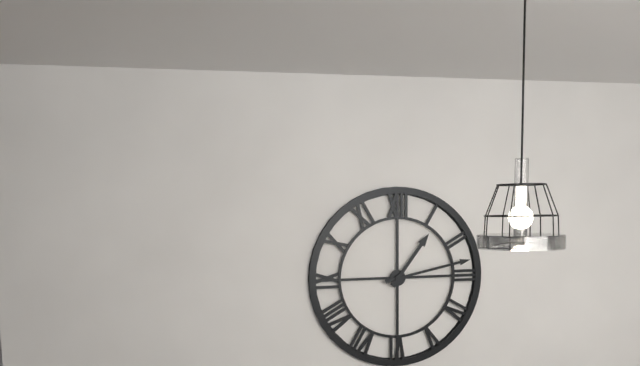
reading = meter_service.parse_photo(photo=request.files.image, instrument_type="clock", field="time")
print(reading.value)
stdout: 1:13
